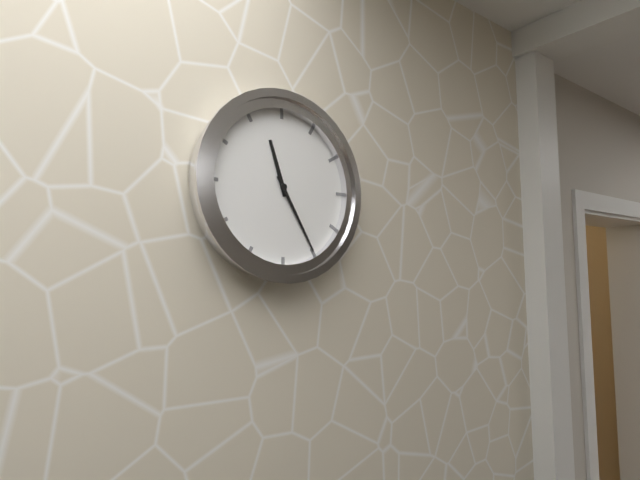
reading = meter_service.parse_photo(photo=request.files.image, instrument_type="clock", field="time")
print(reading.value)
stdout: 11:25
